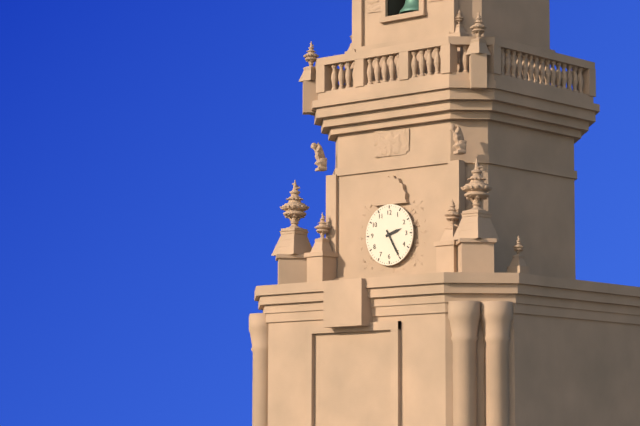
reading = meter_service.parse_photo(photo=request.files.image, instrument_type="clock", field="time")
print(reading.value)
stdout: 2:25
